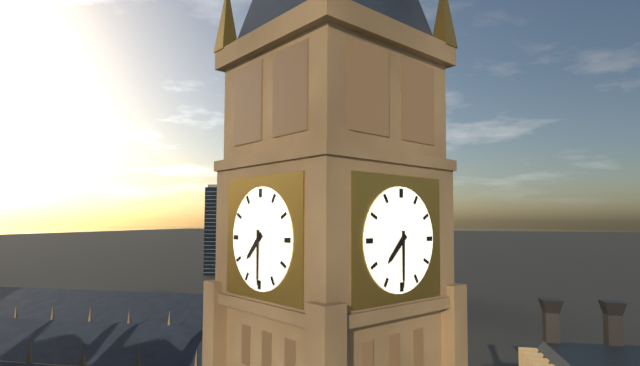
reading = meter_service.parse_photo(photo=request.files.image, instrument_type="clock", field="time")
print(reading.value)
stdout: 7:30
